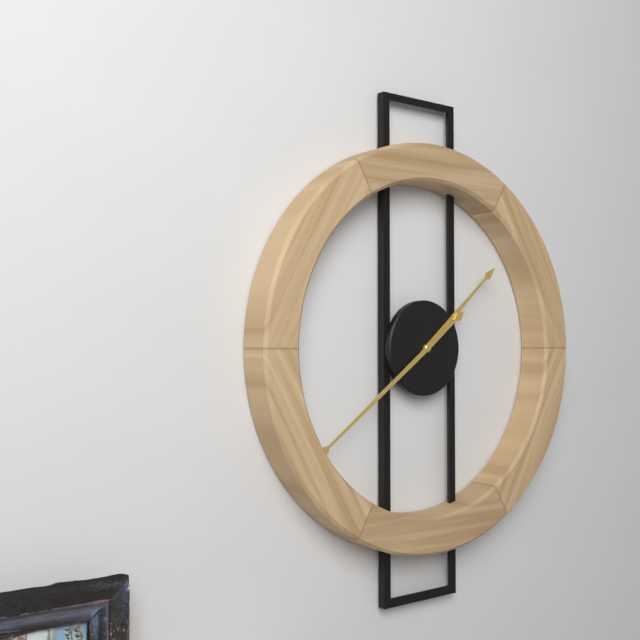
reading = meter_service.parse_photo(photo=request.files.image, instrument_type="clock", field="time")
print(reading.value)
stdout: 1:39
